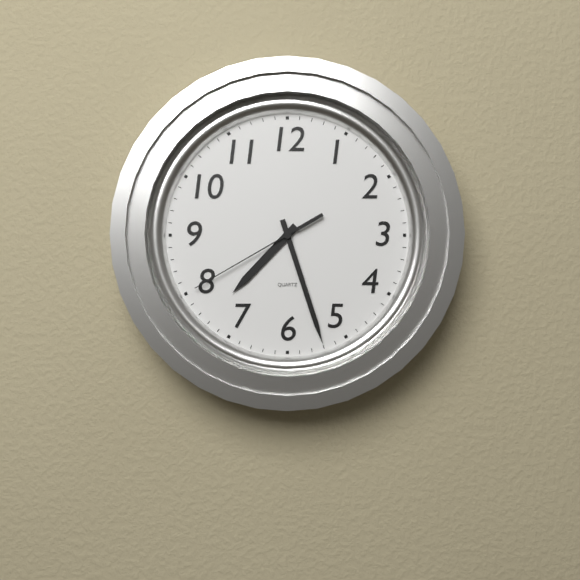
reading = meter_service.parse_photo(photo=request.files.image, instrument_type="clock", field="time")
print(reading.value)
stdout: 7:27:40
